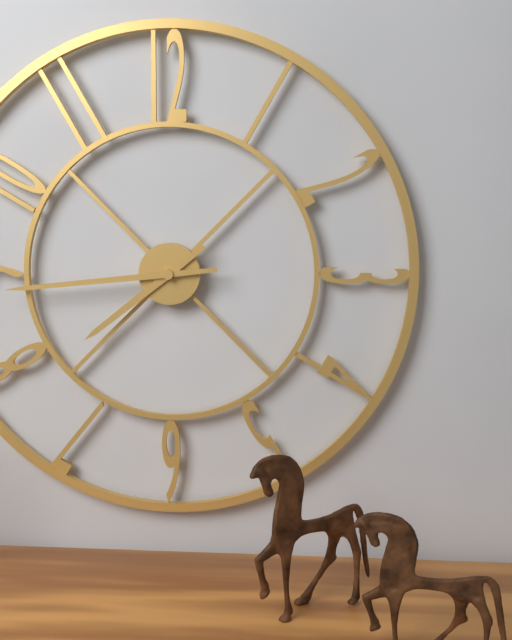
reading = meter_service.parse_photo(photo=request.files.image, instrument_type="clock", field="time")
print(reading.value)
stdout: 7:44
